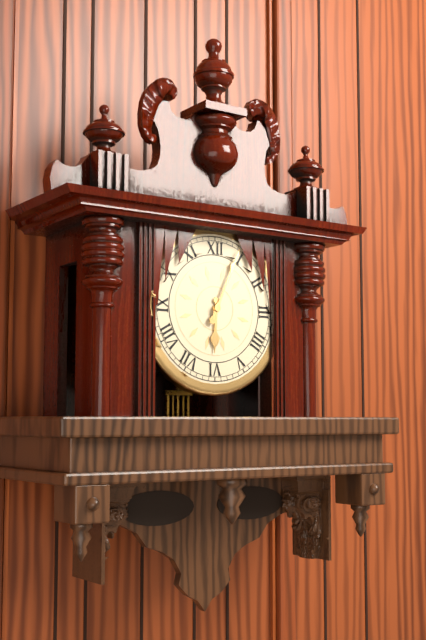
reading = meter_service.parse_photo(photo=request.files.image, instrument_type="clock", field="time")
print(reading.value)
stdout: 6:04
